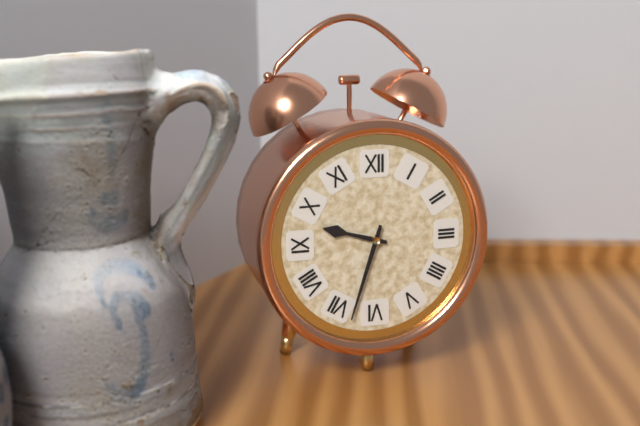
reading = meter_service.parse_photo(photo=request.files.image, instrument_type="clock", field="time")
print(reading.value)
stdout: 9:33
